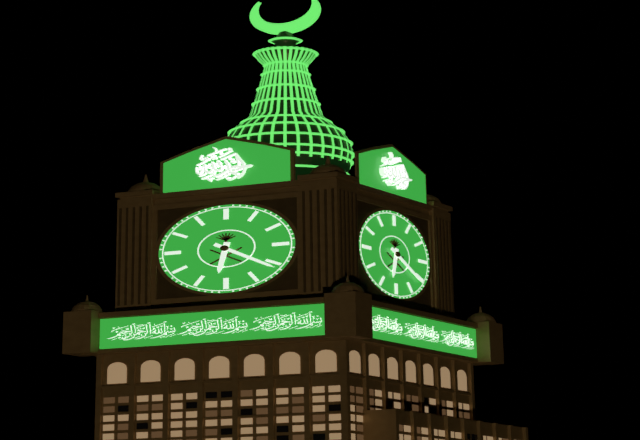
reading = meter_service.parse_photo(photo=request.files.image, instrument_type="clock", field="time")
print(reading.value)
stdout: 6:21
